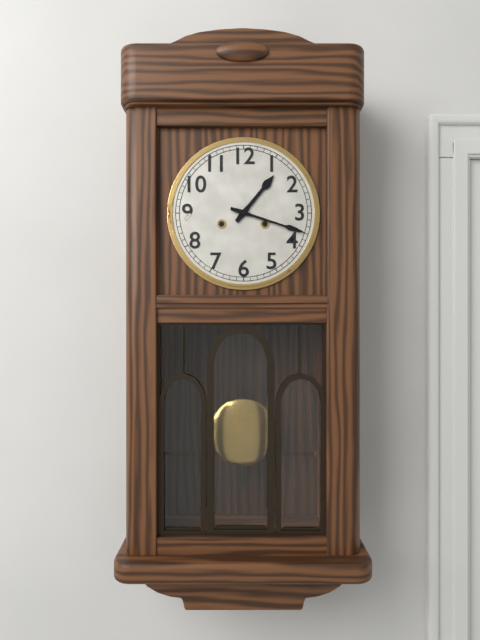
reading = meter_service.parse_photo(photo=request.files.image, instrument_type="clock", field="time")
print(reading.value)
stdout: 1:18
